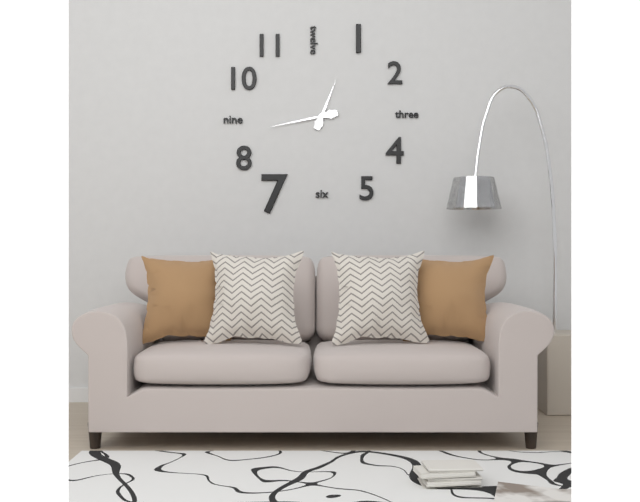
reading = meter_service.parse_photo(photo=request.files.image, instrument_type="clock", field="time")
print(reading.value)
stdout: 12:43
